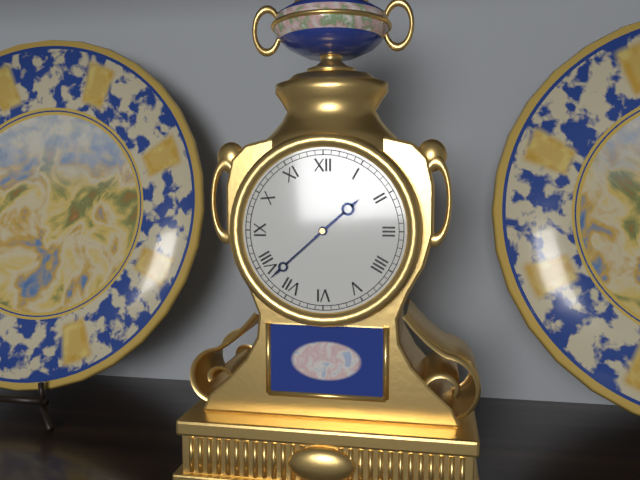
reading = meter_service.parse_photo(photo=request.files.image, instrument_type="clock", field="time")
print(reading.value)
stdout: 1:38
